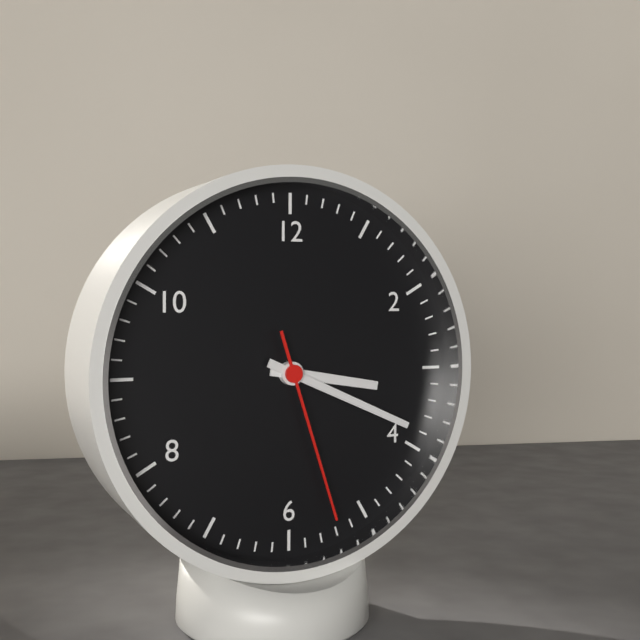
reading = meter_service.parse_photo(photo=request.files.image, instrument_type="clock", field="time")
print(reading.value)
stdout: 3:19:27
